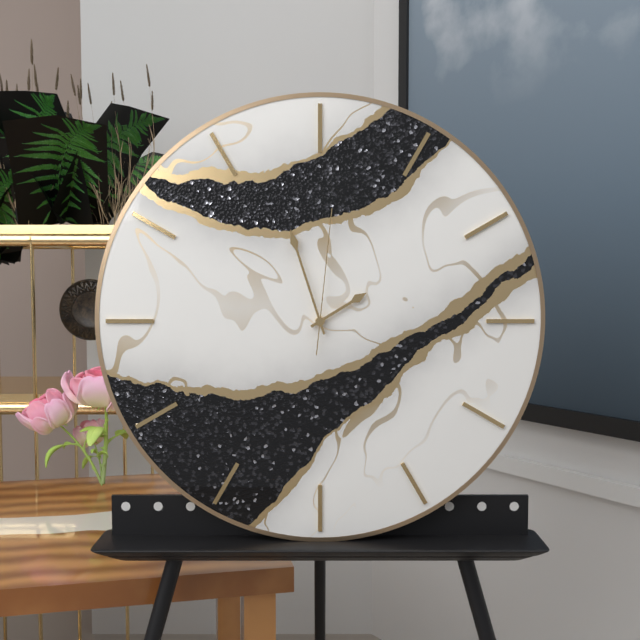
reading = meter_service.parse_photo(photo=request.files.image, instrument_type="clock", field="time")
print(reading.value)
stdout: 1:57:01
